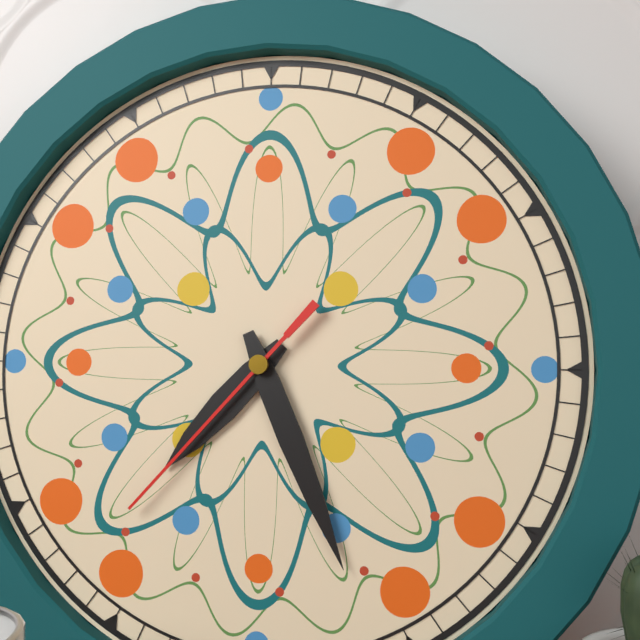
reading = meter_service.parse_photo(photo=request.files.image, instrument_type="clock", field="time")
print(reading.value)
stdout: 7:26:37
